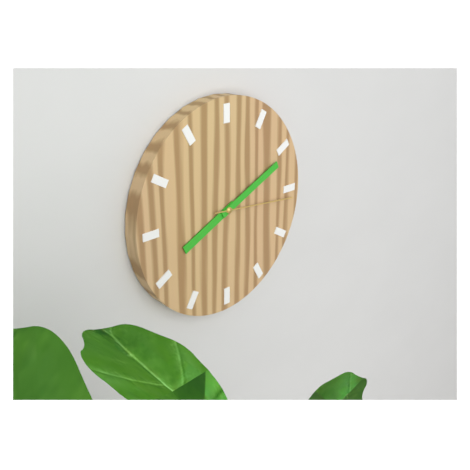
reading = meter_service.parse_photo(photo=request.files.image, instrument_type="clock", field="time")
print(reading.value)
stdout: 8:11:16
